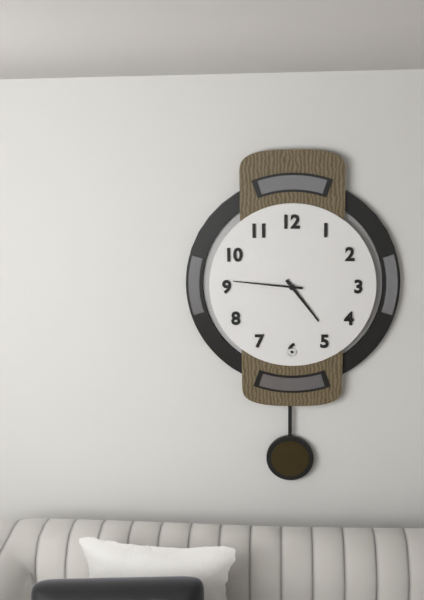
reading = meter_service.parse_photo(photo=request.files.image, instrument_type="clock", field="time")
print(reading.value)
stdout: 4:46
